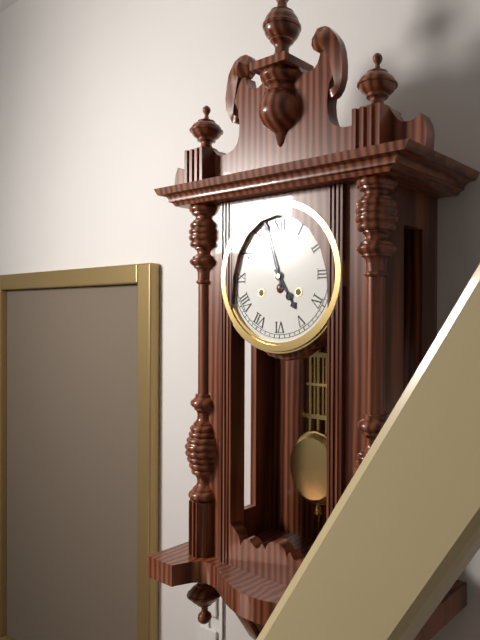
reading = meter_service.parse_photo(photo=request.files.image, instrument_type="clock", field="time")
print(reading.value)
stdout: 4:57
